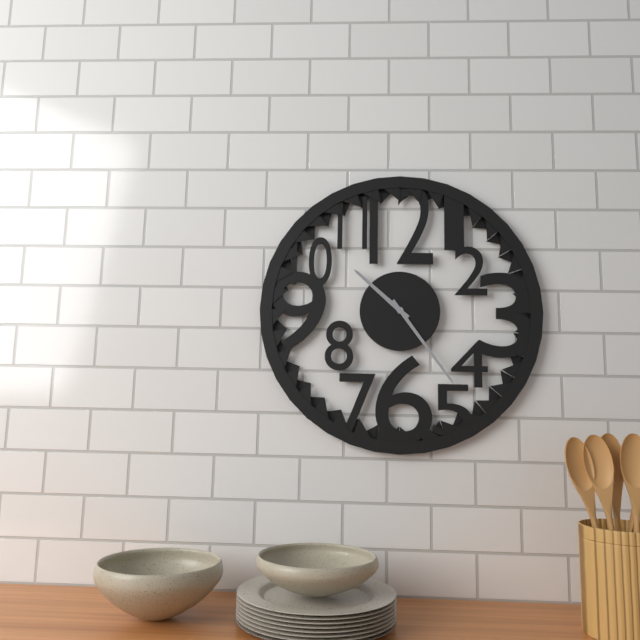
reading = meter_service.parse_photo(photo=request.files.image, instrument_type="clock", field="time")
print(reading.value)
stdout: 10:24
